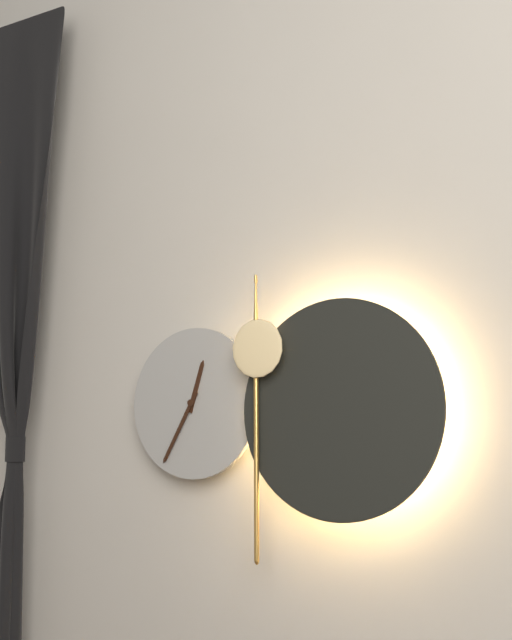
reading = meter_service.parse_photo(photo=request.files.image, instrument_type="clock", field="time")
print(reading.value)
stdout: 12:35
